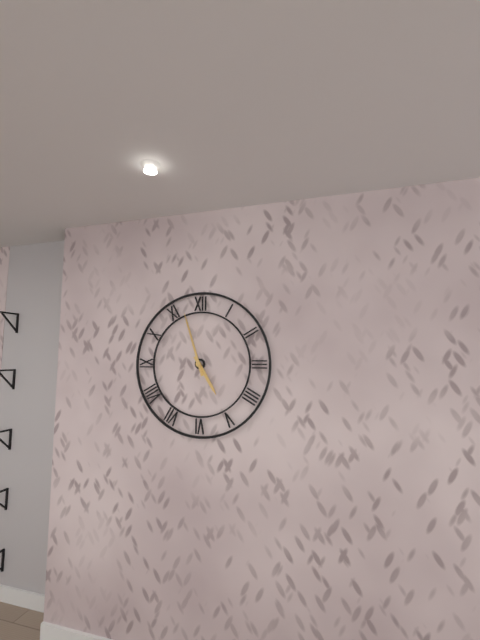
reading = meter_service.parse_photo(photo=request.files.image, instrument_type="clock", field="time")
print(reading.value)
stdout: 4:57
